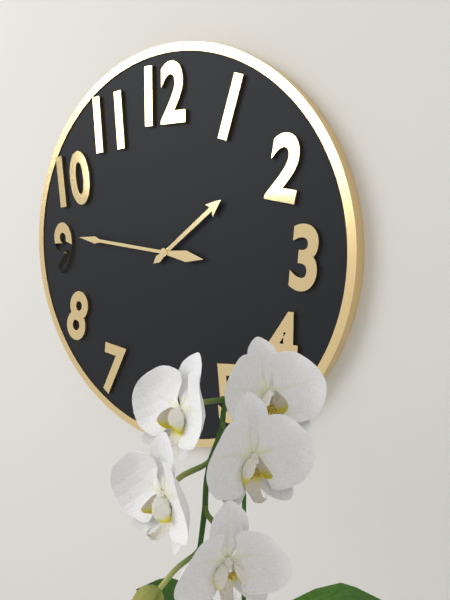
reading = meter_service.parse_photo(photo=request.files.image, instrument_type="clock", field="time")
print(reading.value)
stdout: 1:46
